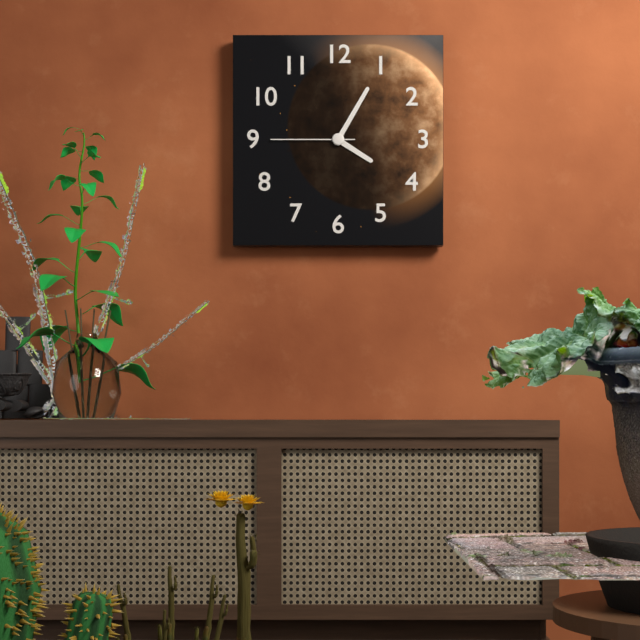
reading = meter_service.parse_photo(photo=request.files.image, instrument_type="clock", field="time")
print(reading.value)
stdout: 4:05:45
